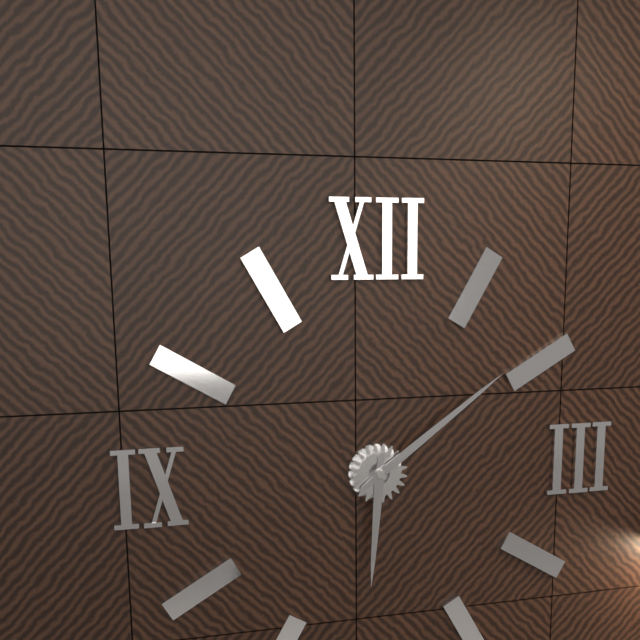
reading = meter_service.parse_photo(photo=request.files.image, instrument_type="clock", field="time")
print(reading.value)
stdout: 6:09
